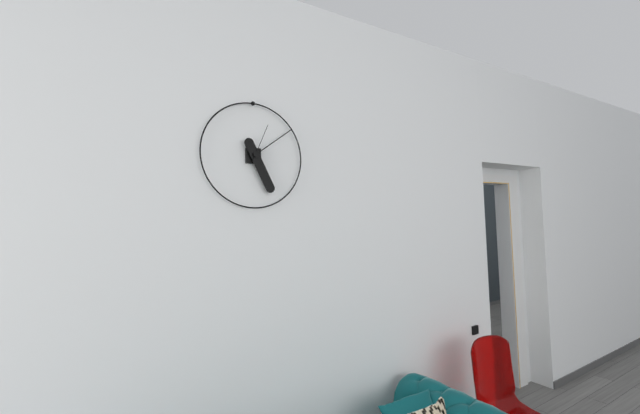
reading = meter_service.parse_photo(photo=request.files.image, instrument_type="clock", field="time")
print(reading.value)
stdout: 5:09
